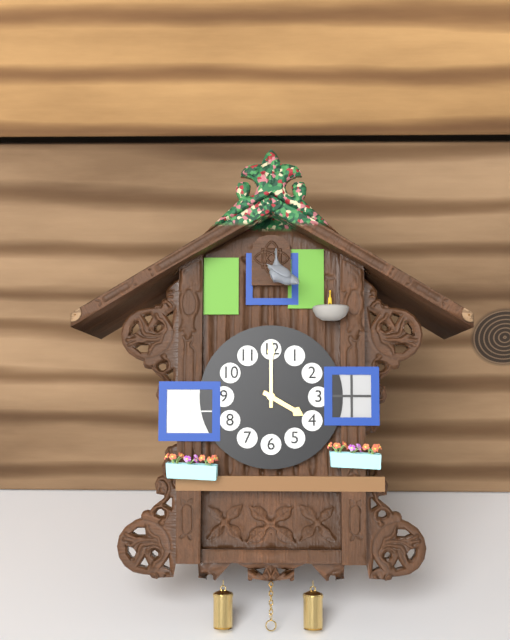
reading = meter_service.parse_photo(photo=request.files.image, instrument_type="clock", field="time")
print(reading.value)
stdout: 4:00
